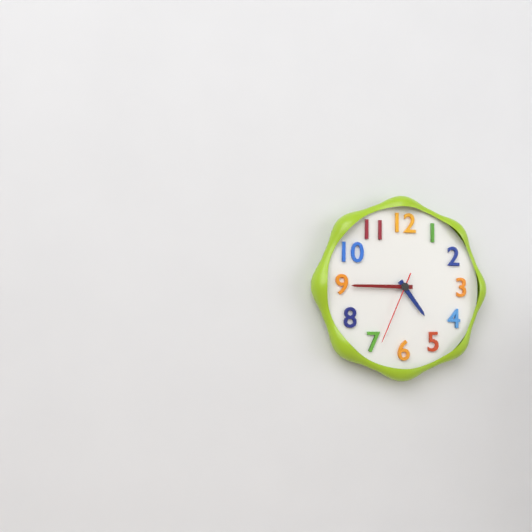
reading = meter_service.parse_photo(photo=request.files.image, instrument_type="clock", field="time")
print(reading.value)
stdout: 4:45:34
